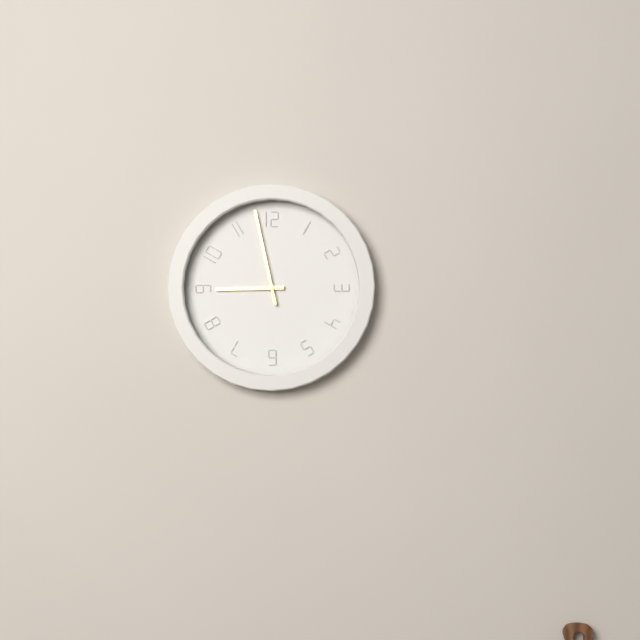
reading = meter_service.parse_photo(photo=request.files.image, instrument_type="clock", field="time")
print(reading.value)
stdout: 8:58
